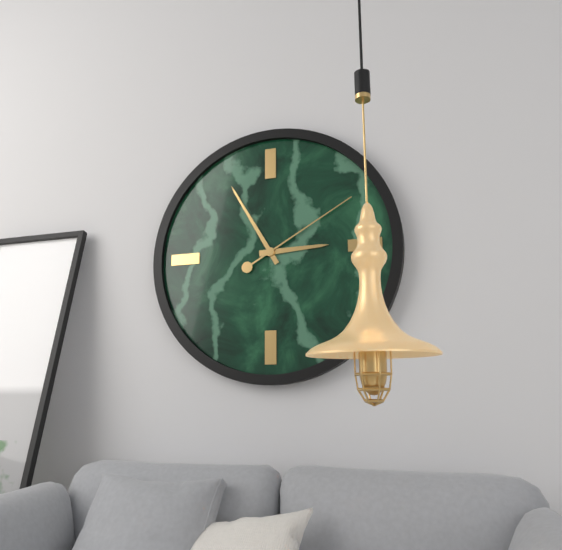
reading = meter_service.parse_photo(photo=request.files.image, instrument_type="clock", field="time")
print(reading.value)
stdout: 2:55:10
